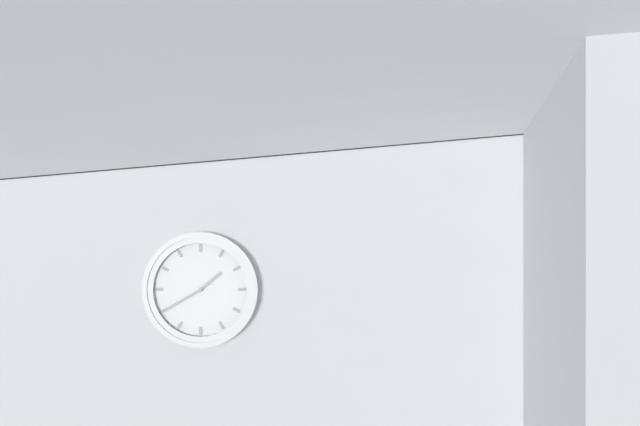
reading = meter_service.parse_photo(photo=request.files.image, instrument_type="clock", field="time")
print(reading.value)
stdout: 1:40
